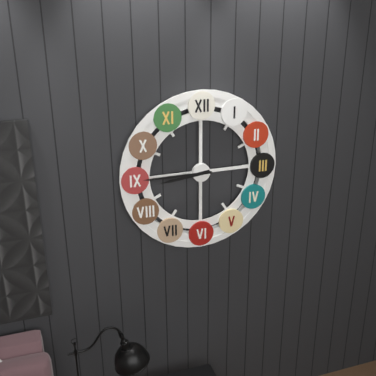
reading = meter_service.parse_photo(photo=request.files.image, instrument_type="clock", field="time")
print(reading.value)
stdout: 8:45
